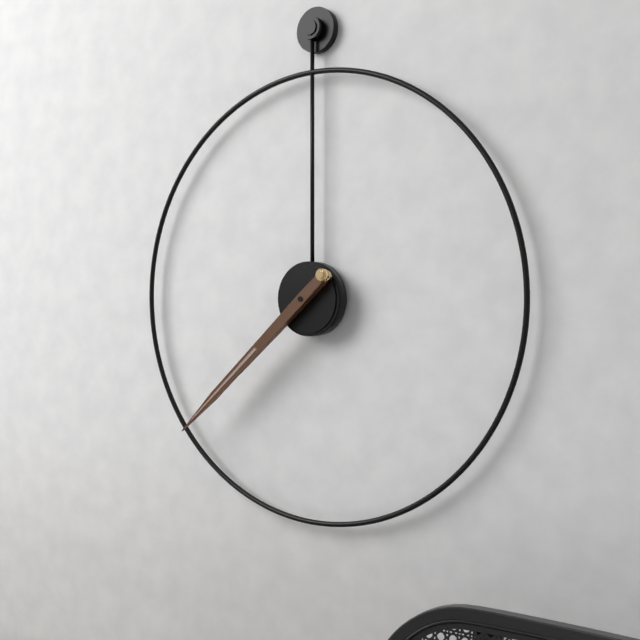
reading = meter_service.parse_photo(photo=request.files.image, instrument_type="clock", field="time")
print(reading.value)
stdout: 7:38
